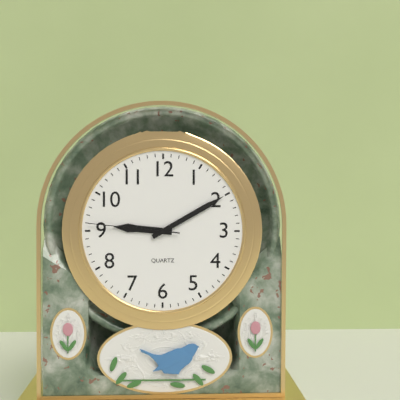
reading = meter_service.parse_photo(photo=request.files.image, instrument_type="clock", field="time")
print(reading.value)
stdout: 9:10:46
